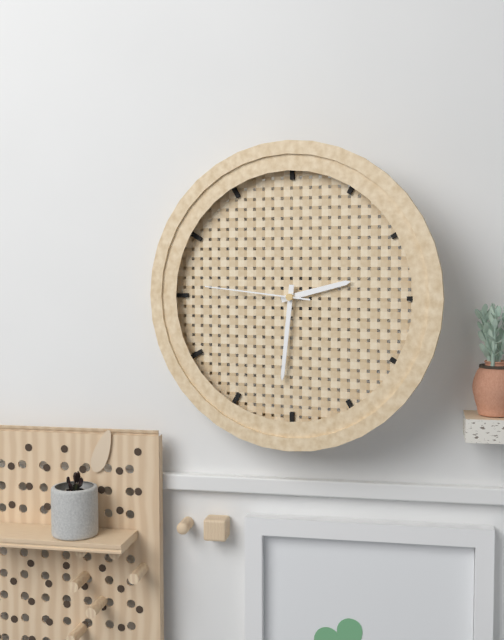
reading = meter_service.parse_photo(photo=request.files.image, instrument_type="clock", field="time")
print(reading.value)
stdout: 2:31:46
